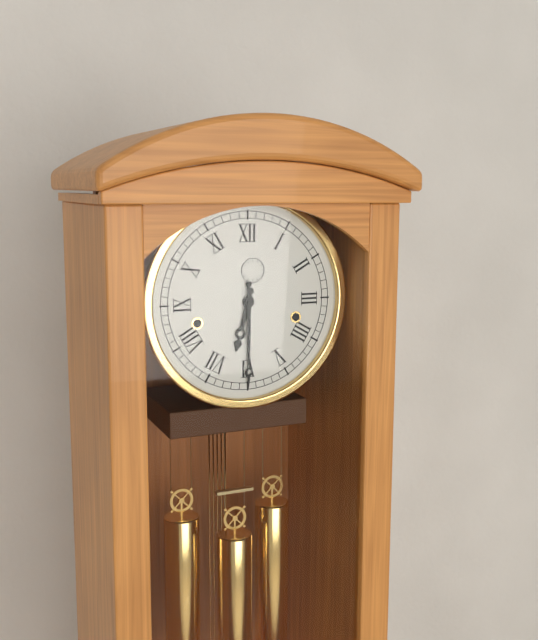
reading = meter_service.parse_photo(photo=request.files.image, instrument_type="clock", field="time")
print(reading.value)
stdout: 6:30
